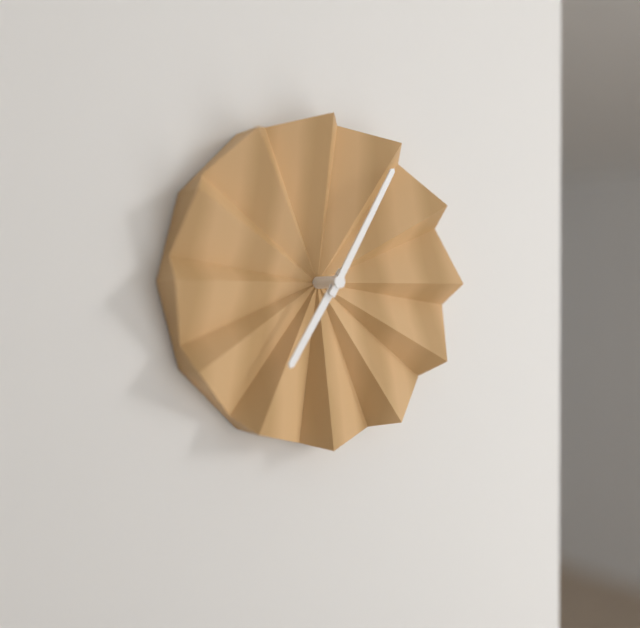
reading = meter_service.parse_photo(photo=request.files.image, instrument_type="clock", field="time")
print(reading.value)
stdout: 7:05
